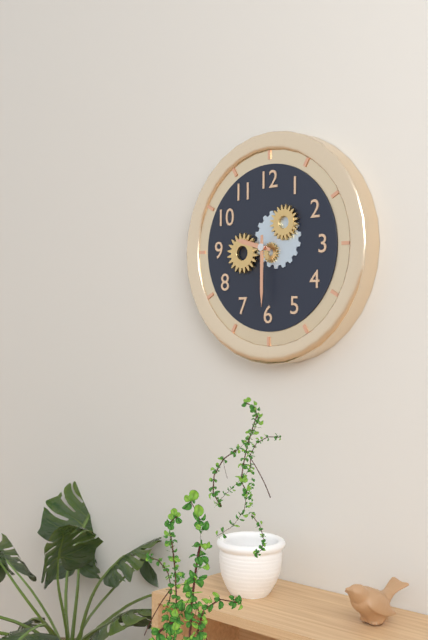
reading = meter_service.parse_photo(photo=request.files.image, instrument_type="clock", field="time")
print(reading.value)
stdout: 9:30
